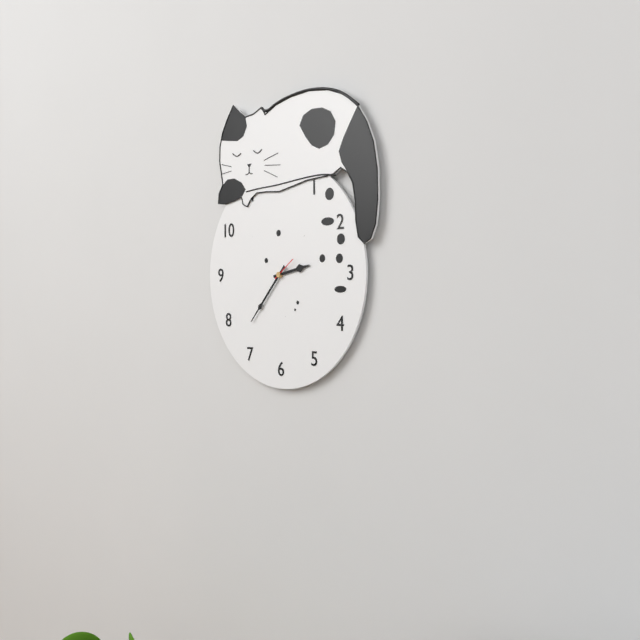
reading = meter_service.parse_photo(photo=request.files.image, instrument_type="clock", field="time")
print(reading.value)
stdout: 2:37
